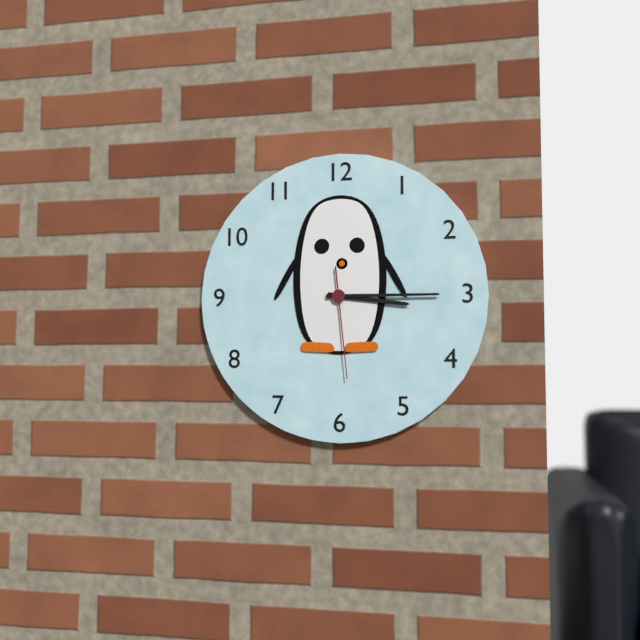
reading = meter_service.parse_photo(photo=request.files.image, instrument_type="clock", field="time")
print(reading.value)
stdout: 3:15:29
